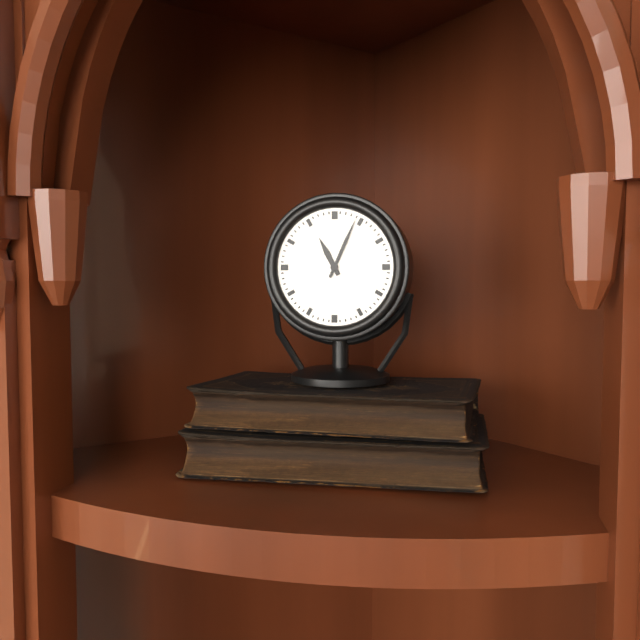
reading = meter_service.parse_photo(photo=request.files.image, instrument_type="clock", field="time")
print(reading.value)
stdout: 11:04
